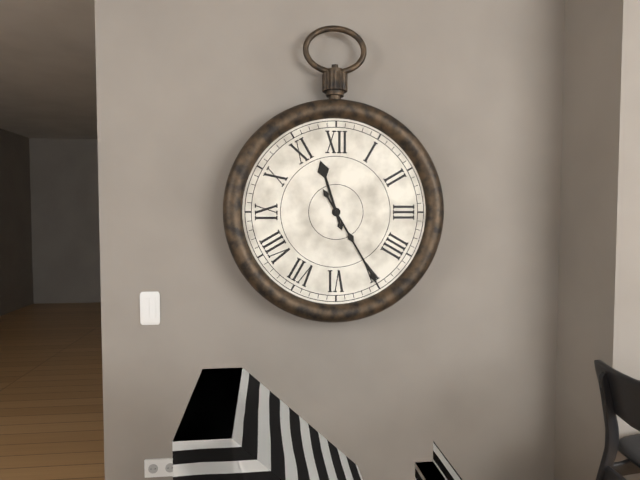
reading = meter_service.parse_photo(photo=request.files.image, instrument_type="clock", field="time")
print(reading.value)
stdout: 11:25
